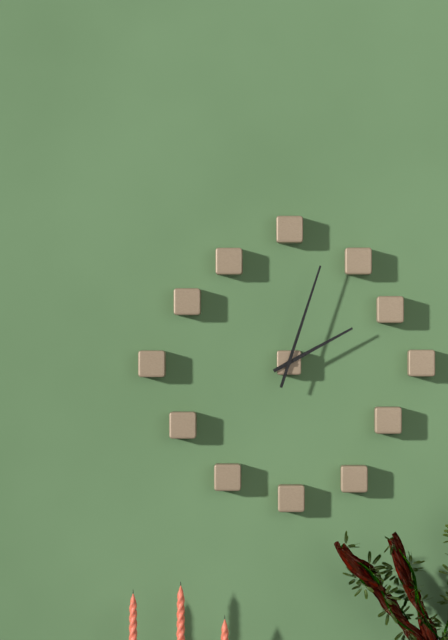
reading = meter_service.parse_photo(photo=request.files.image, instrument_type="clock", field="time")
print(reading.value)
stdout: 2:03
